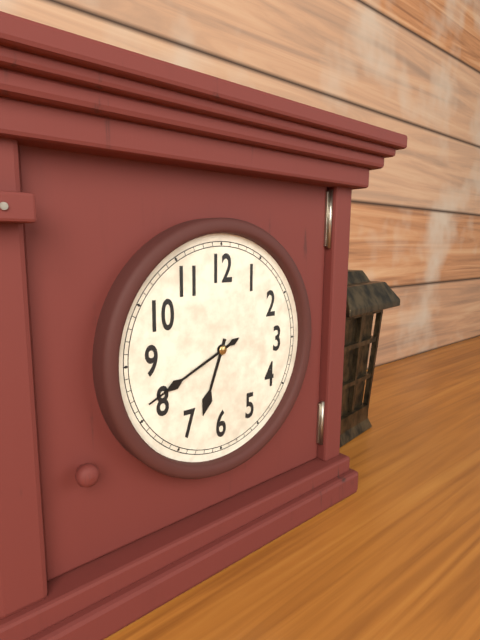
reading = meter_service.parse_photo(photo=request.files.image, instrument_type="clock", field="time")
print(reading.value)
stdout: 6:41
